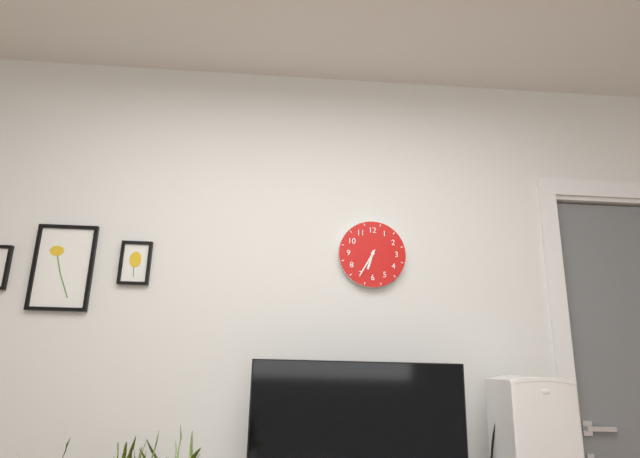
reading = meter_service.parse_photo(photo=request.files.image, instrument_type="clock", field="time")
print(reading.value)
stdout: 6:35
